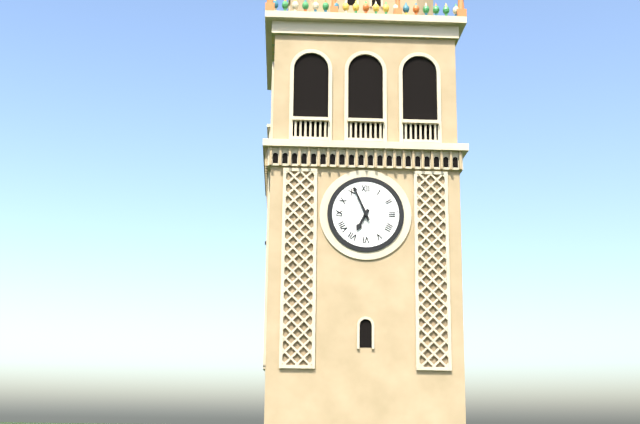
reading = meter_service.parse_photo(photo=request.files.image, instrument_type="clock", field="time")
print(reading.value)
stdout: 6:56
